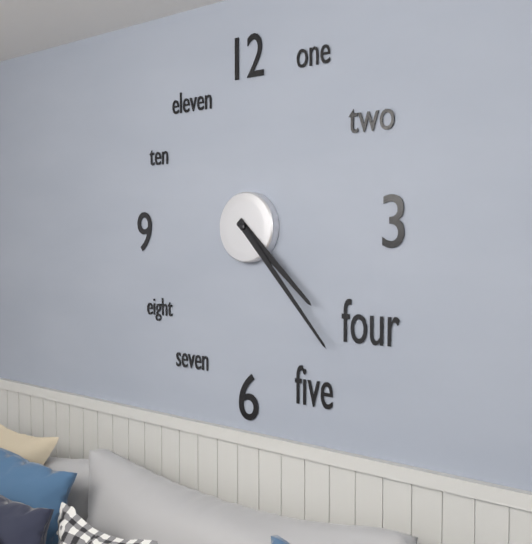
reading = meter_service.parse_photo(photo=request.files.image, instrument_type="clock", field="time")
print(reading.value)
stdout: 4:23
